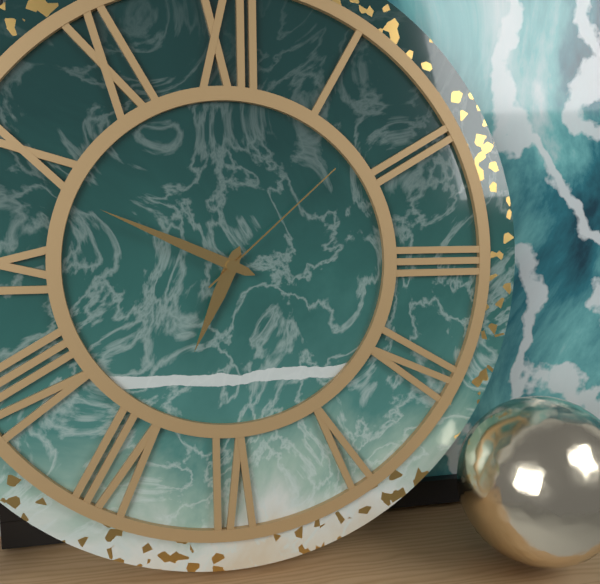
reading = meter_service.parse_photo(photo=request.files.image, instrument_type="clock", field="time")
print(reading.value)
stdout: 6:49:08
